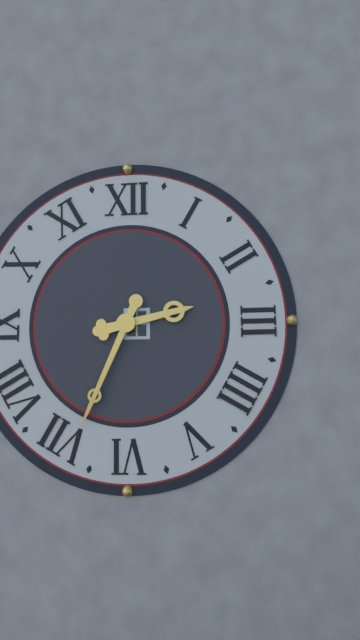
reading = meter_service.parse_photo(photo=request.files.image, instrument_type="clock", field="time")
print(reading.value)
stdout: 2:34
